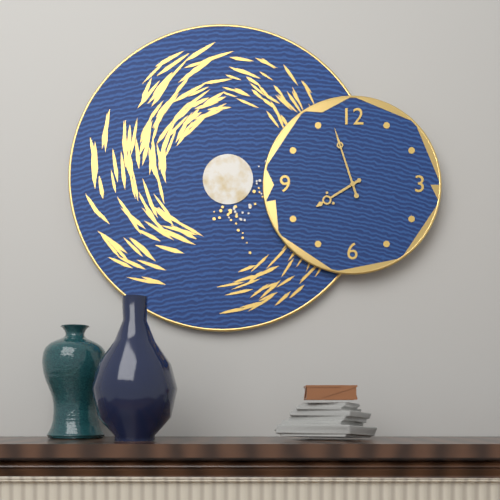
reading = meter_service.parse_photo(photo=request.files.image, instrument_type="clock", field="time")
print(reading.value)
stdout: 7:57
